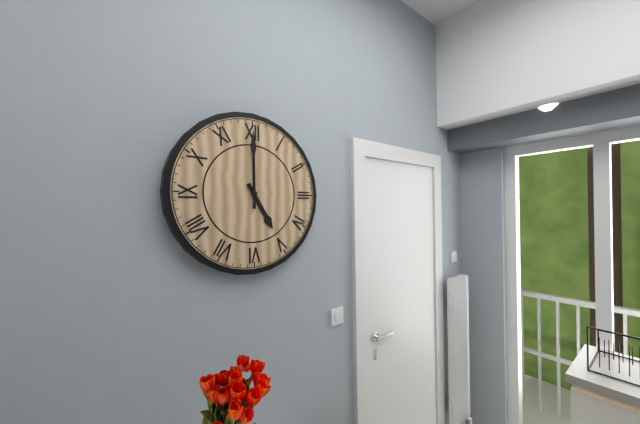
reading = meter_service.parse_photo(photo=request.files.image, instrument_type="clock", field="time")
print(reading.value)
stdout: 5:00
